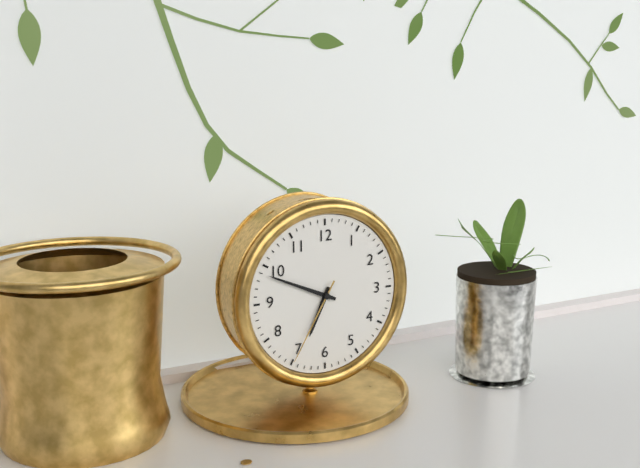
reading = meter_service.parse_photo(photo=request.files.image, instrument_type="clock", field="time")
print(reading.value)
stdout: 6:49:35
